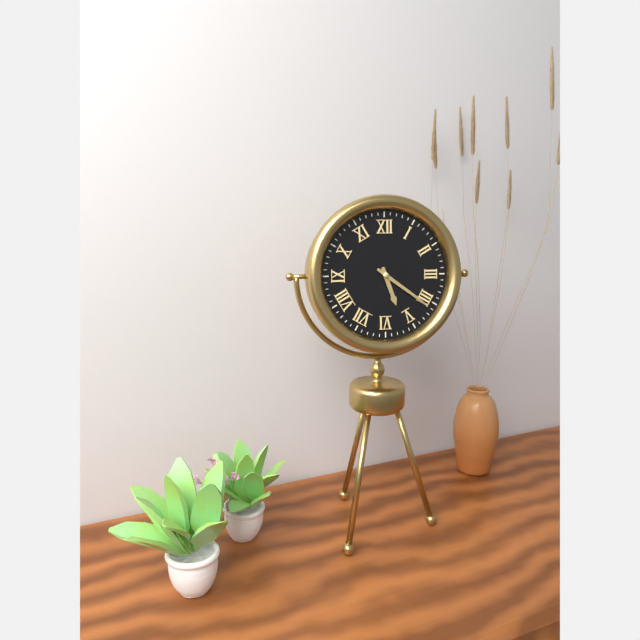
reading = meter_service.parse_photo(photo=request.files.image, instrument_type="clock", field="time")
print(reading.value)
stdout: 5:21
